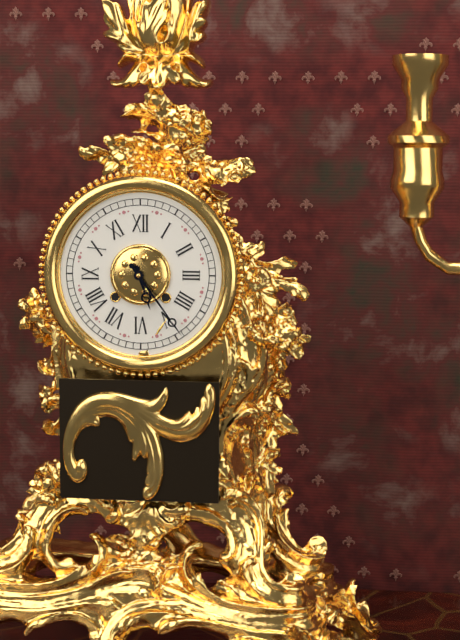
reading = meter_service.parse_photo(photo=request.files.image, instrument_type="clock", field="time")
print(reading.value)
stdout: 5:24
